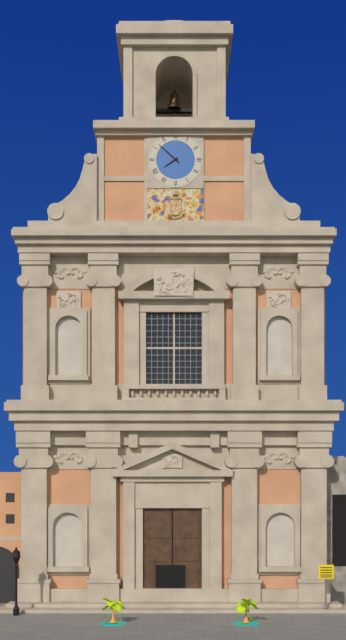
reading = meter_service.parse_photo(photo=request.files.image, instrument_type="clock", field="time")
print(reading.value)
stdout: 7:52
